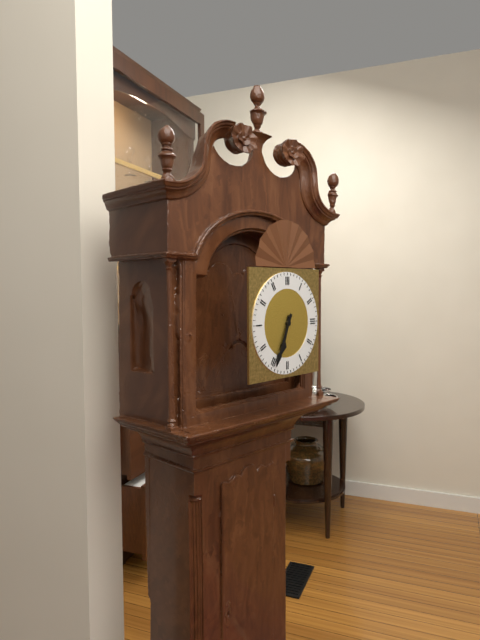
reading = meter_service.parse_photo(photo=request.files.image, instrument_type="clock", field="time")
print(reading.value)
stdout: 6:34
